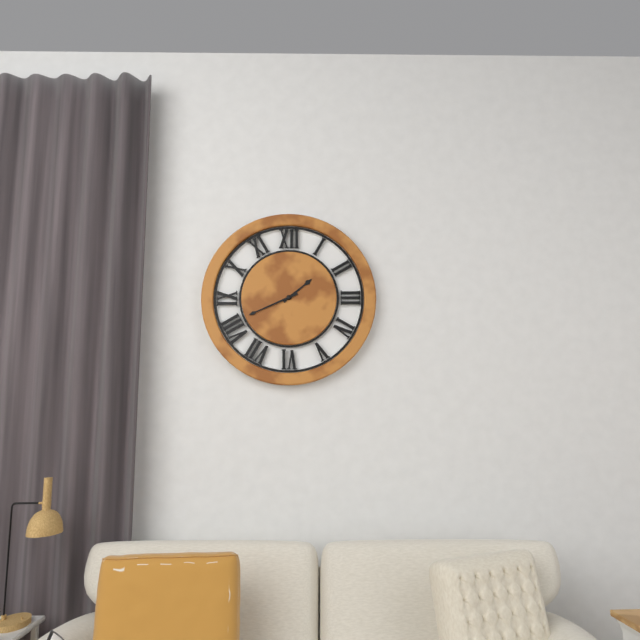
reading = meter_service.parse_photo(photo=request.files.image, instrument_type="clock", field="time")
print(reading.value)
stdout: 1:41
